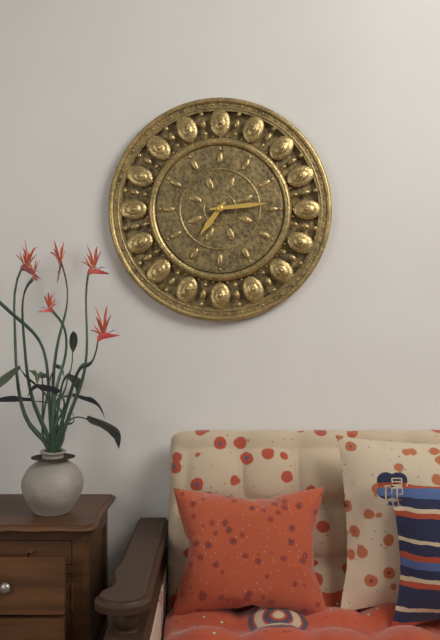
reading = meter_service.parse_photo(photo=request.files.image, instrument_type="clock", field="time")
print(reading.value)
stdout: 7:14
